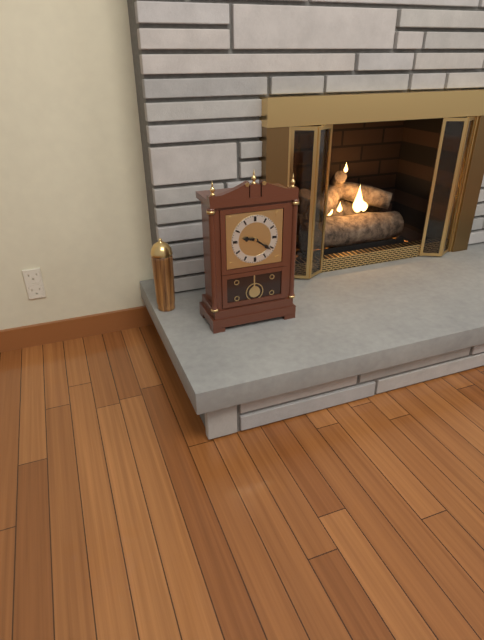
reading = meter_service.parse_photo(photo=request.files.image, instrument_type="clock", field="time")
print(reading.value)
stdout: 9:21
